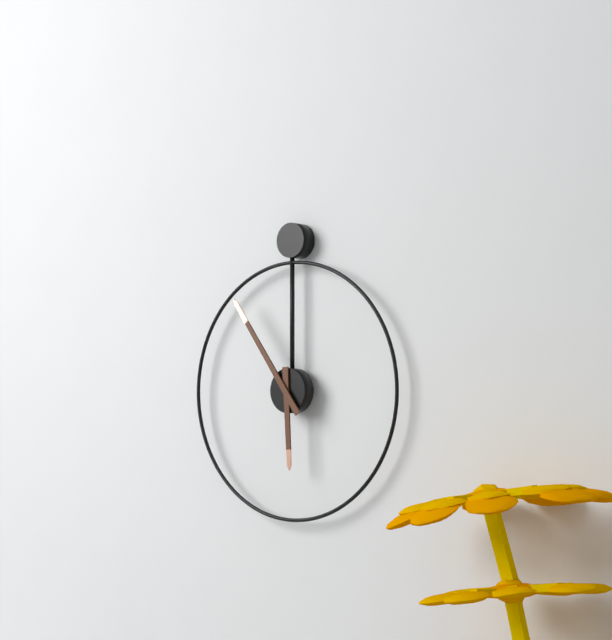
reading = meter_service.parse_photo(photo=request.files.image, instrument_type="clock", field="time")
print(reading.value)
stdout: 5:54
